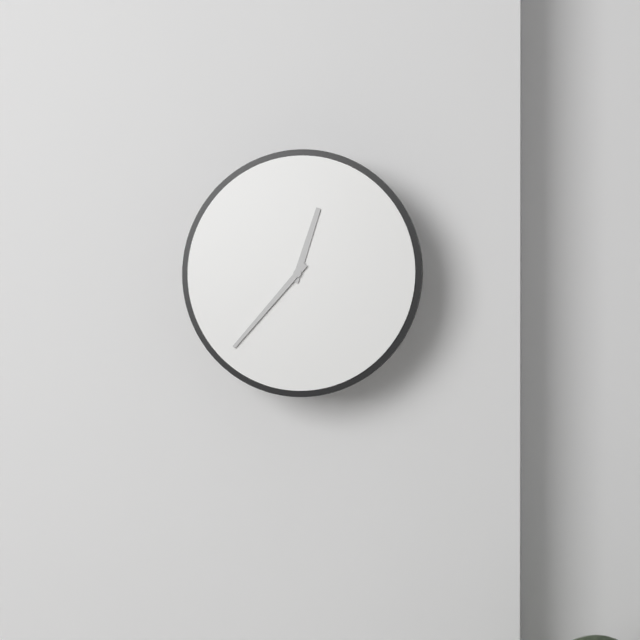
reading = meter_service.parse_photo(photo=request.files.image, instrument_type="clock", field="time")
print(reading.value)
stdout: 12:37
